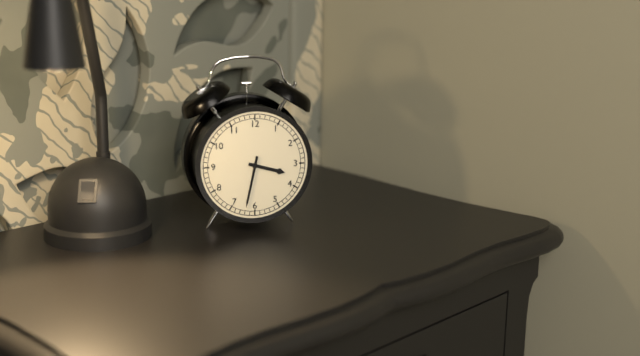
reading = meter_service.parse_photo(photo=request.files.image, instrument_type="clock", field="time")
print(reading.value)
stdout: 3:32
